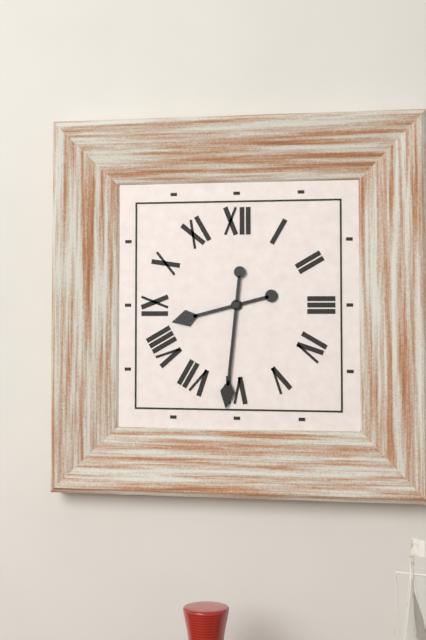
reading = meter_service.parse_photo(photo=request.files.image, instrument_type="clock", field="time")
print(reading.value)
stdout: 8:31
